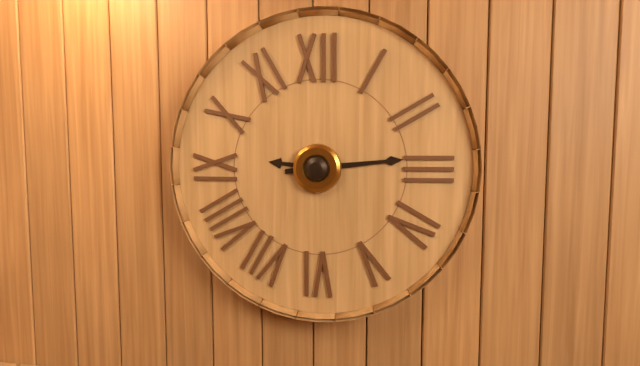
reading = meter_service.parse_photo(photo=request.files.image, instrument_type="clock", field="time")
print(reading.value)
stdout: 9:14
